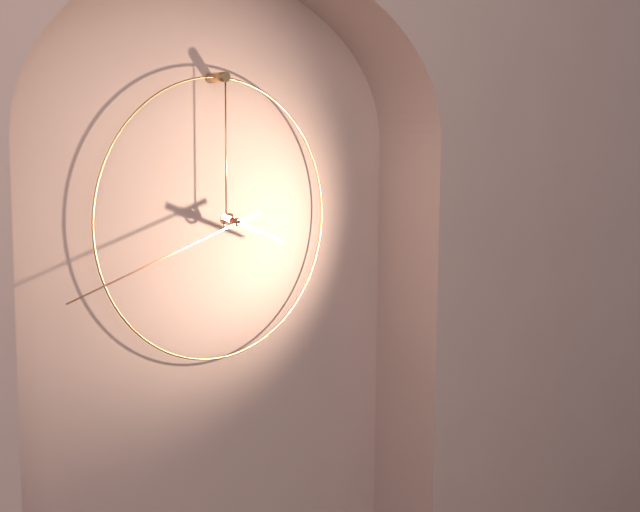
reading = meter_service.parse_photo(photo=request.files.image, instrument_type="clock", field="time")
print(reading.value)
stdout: 3:42
